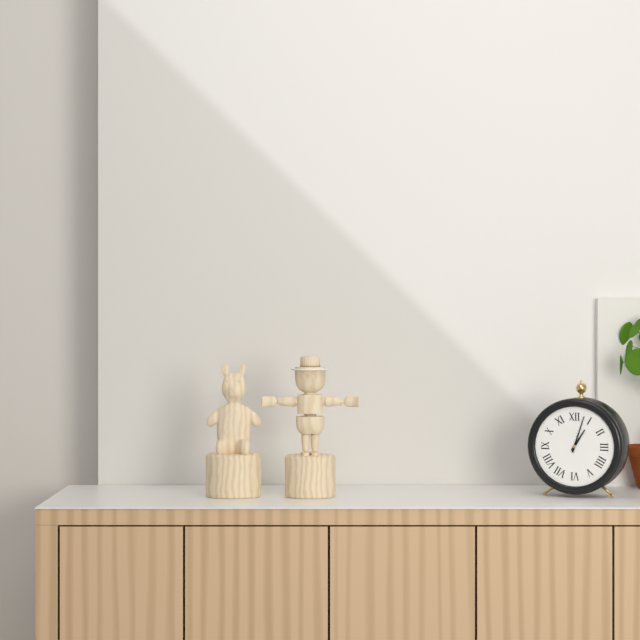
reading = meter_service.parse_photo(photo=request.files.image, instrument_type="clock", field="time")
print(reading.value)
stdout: 1:03
